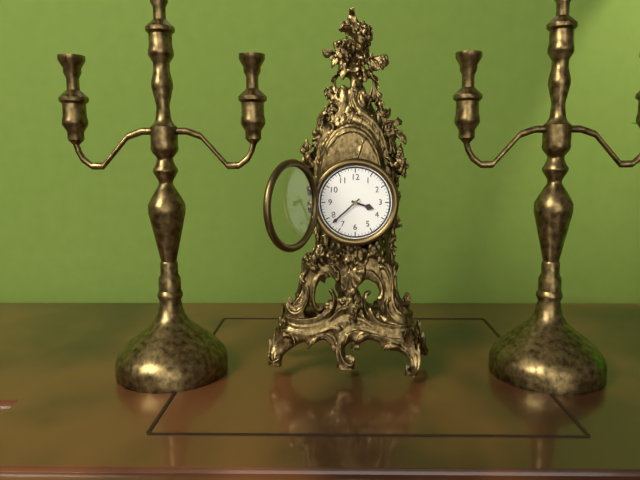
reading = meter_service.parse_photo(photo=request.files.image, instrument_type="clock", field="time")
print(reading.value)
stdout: 3:38
